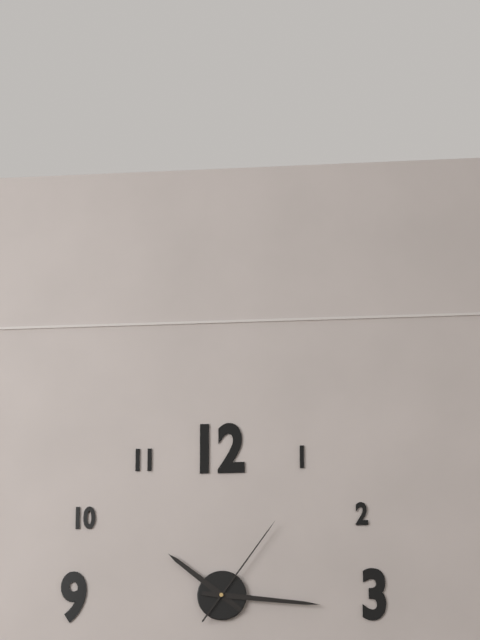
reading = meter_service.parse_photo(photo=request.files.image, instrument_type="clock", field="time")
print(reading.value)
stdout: 10:16:06
